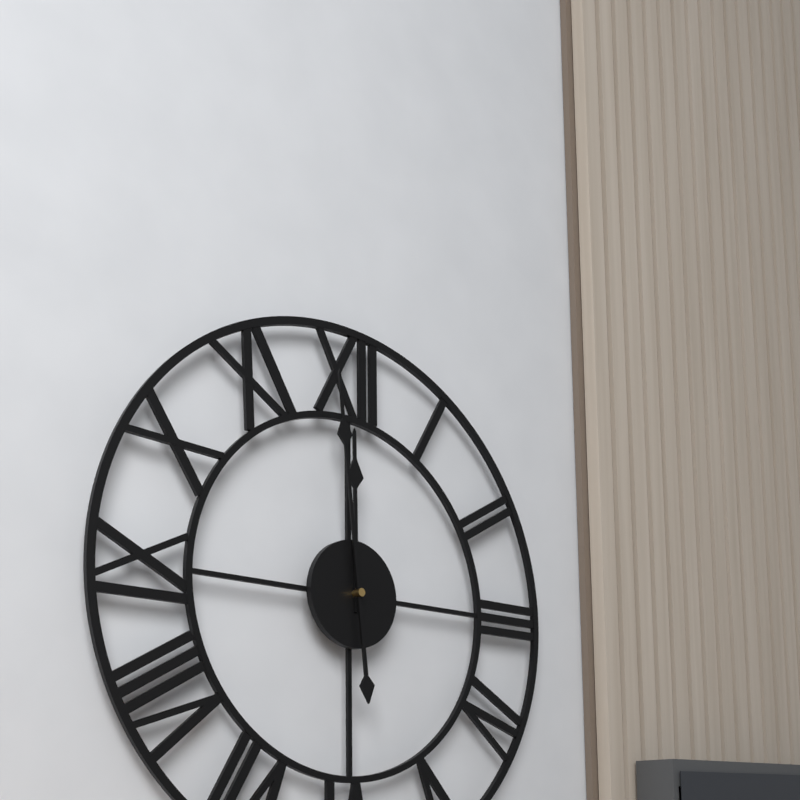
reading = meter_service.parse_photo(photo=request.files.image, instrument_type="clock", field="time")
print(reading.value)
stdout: 11:59
